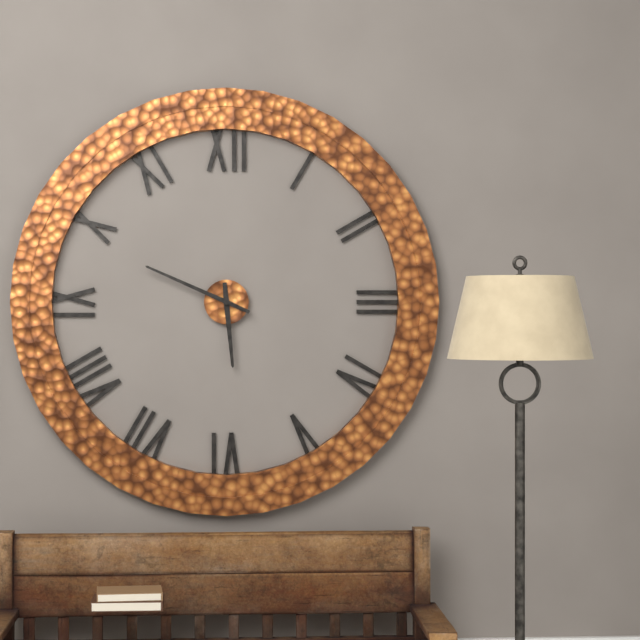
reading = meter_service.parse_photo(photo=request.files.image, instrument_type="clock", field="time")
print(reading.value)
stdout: 5:49
